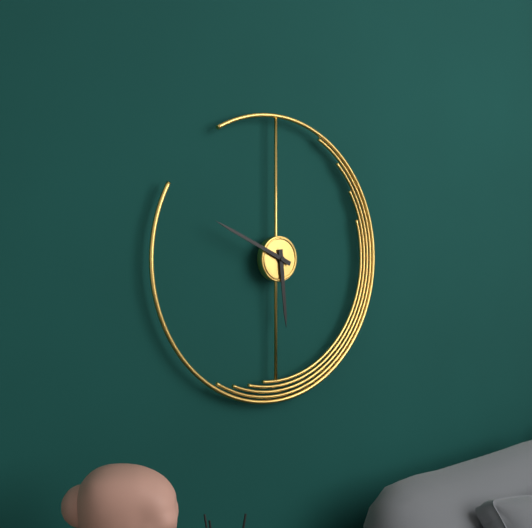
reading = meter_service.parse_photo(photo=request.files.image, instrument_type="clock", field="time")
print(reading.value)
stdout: 5:49
